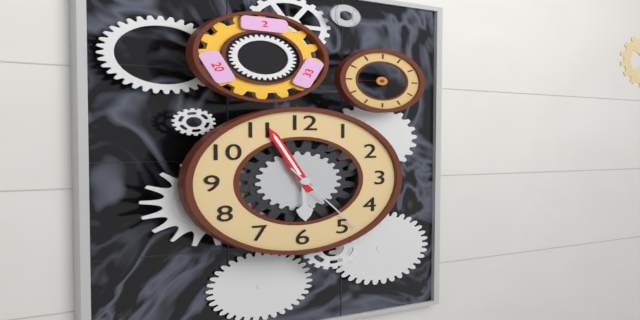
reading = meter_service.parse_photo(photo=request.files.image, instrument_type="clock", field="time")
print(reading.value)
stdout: 5:56:24
